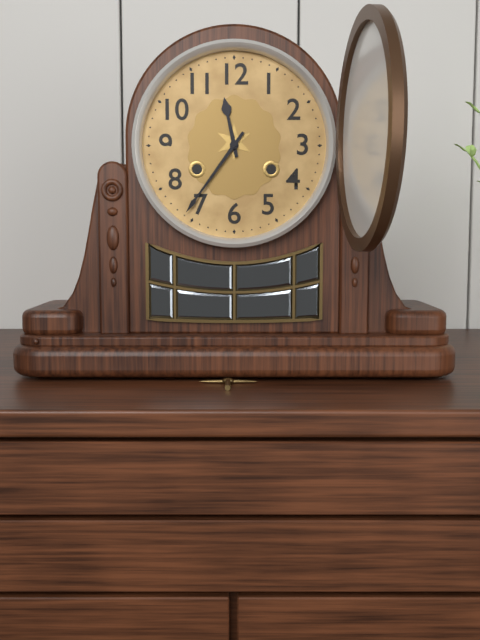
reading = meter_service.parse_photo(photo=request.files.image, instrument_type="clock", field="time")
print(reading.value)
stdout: 11:36
